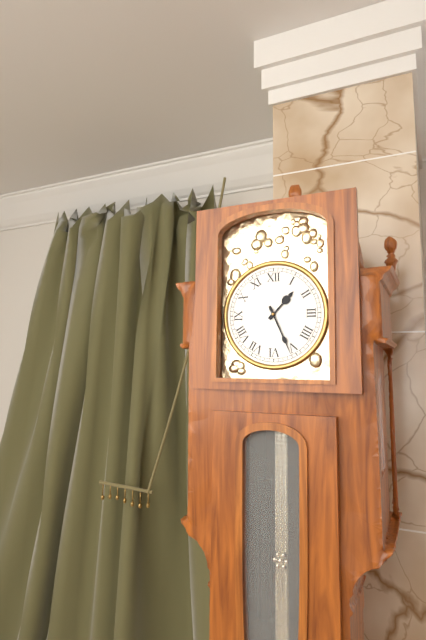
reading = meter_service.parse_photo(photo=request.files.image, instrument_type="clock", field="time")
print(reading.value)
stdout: 1:26
